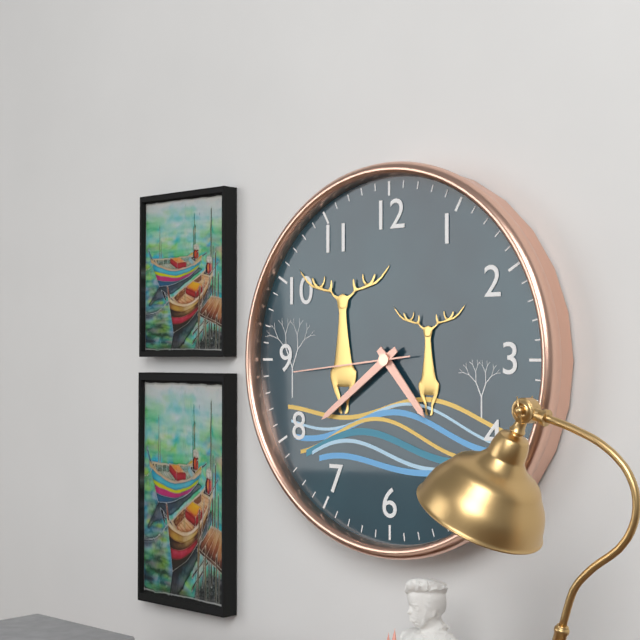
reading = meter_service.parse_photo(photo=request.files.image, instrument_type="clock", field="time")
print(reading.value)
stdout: 4:39:44
